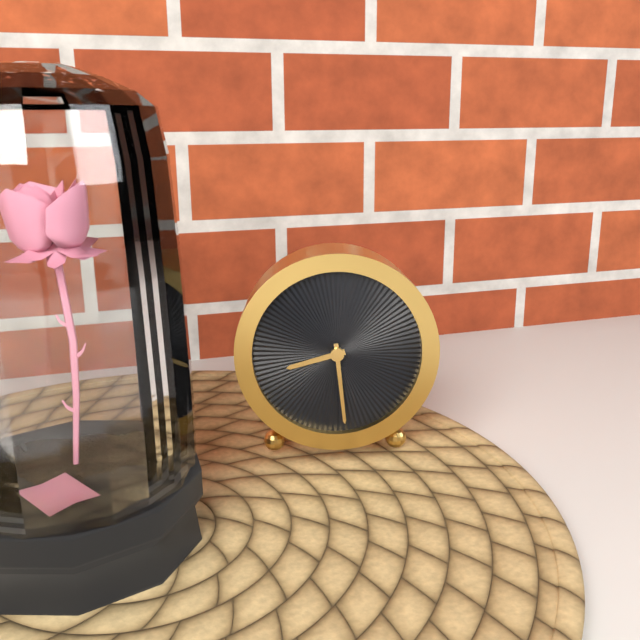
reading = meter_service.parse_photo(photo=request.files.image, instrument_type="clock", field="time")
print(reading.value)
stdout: 8:29
